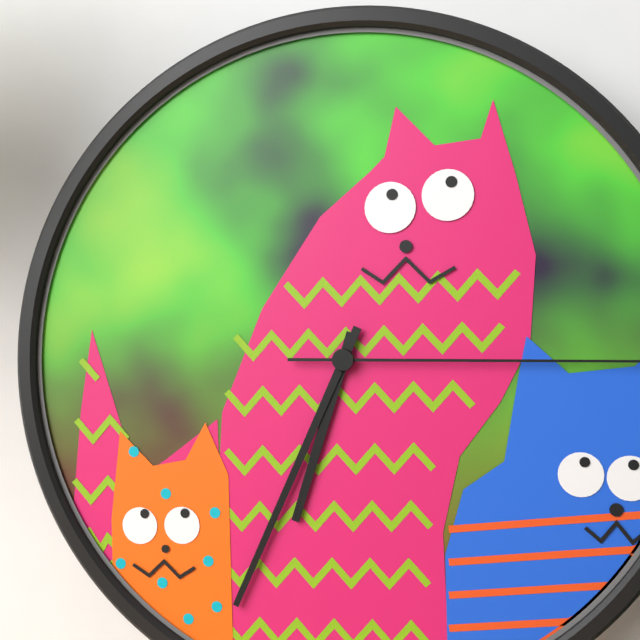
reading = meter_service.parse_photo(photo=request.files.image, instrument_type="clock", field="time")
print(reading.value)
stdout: 6:34
